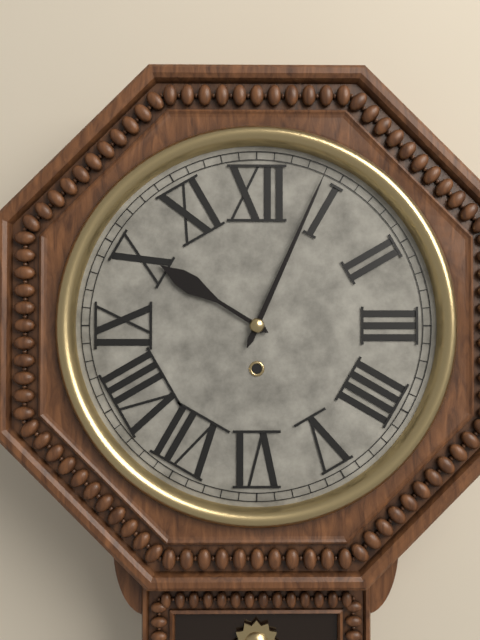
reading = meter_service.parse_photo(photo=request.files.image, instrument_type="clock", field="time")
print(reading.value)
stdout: 10:04
